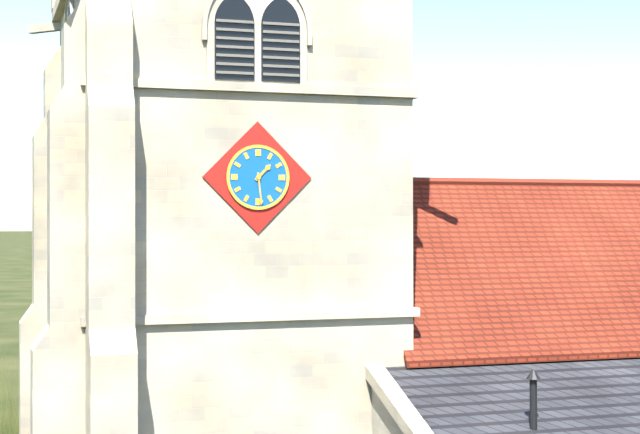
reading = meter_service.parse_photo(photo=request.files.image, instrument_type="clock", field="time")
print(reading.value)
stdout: 1:29
